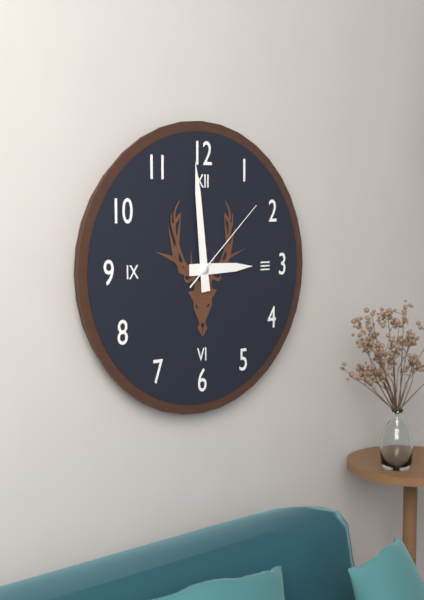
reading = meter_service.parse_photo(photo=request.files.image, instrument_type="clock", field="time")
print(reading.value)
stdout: 2:59:08
